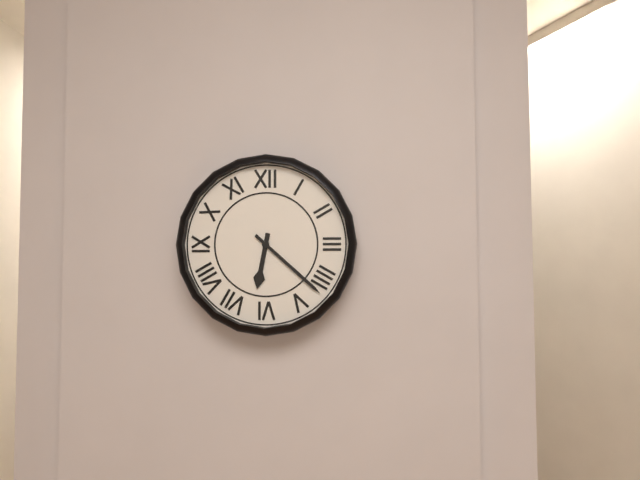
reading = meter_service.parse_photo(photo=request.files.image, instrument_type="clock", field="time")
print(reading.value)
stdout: 6:22
